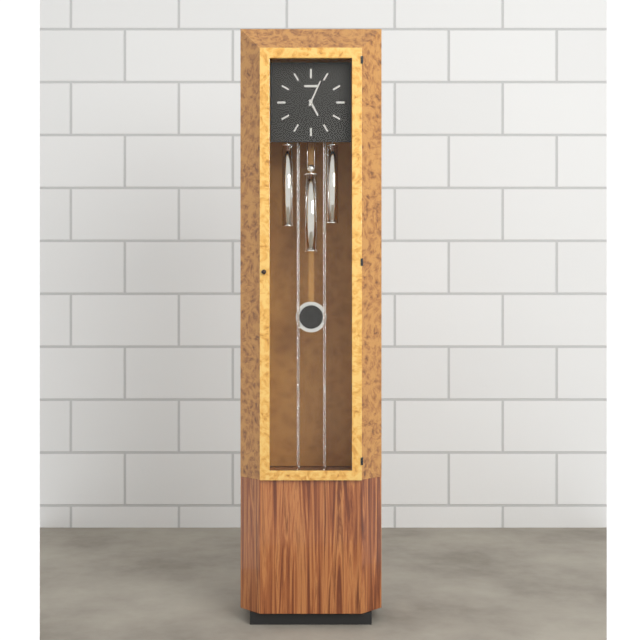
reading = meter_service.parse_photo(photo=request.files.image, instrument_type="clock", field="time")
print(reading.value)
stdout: 5:04
